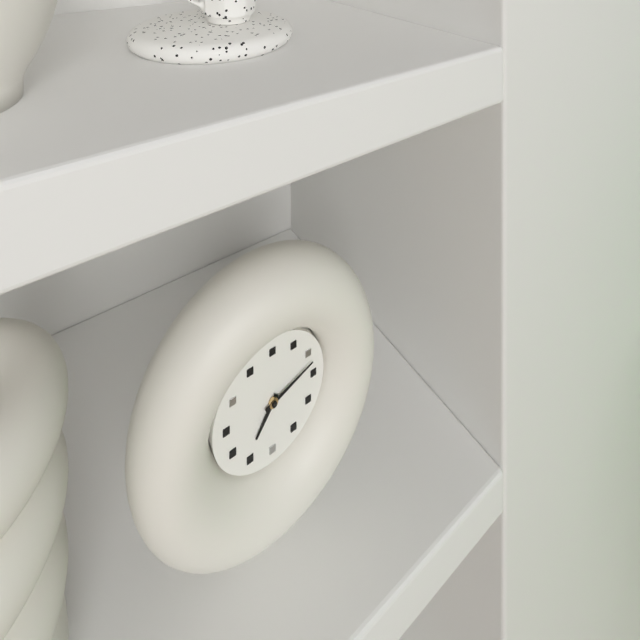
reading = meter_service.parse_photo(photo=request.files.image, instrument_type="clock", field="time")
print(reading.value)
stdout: 7:12
